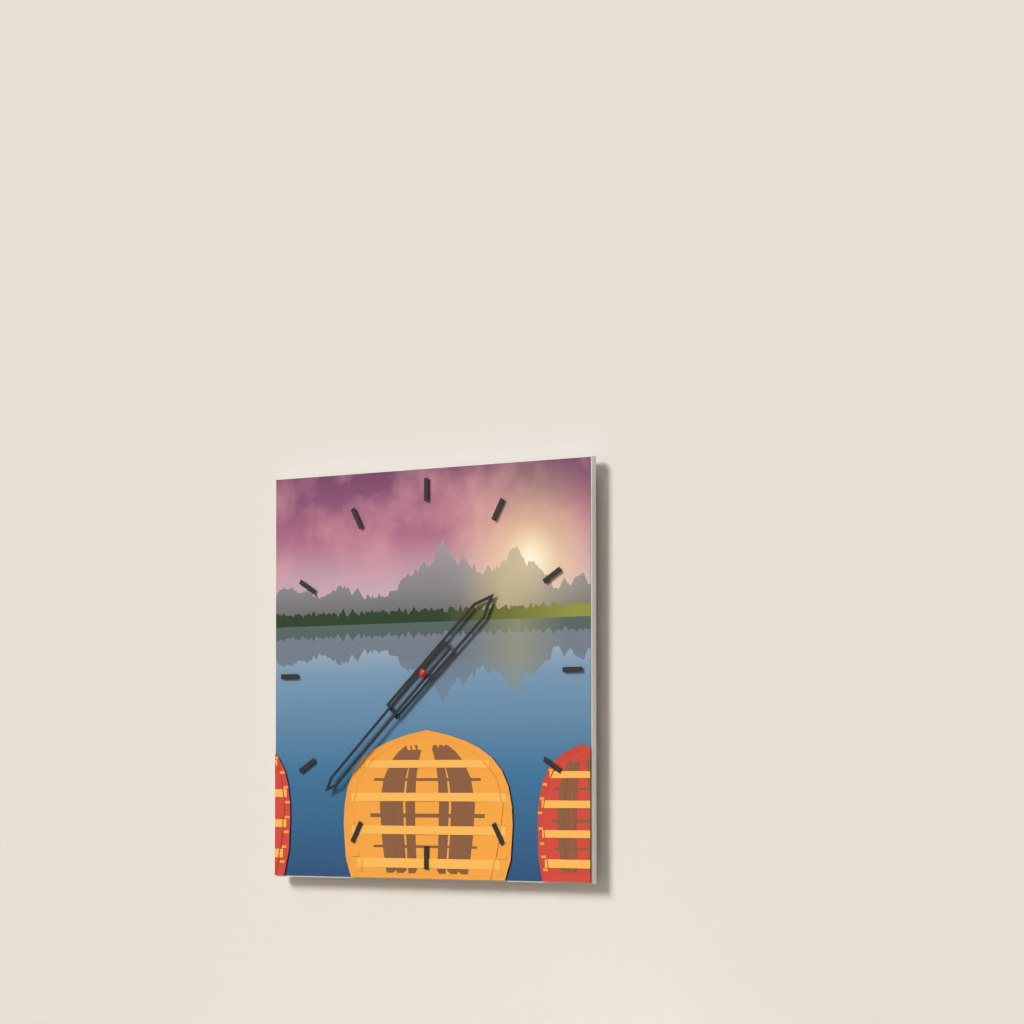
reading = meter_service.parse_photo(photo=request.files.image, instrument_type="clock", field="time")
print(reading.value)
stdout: 1:38
